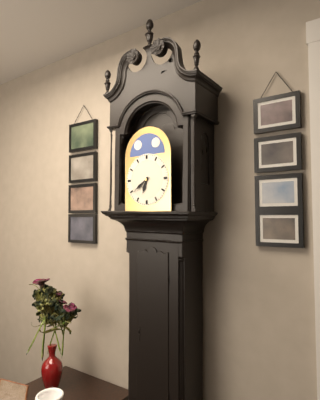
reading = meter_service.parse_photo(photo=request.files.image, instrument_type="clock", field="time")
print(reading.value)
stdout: 6:39
